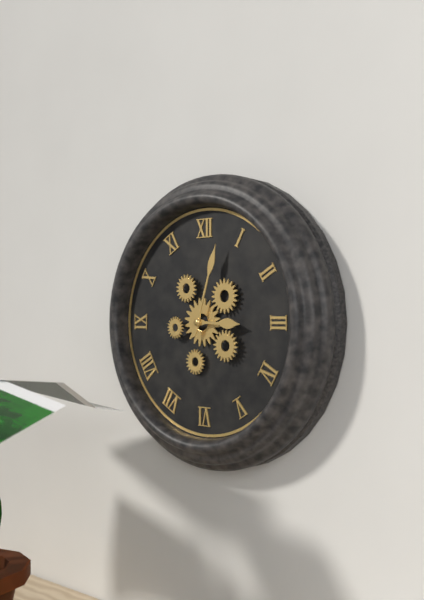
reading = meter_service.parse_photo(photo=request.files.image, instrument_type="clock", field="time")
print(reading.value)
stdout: 3:03
